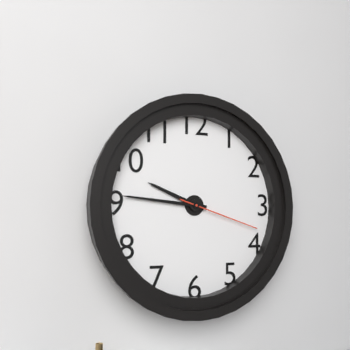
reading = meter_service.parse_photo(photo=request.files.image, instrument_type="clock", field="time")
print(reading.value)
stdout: 9:46:18
